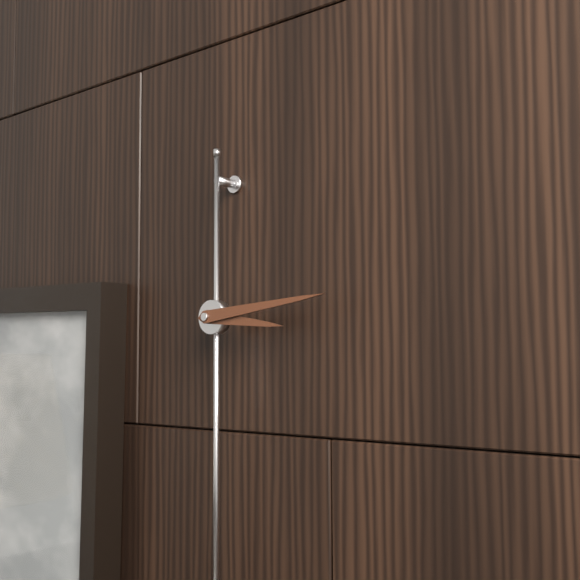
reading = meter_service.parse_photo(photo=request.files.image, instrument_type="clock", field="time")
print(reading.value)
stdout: 3:14
